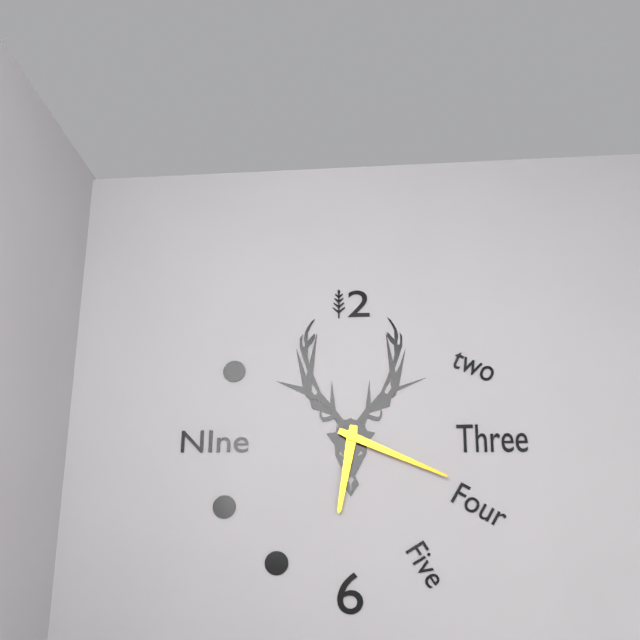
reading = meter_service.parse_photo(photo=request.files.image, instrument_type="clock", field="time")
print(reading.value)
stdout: 6:19
